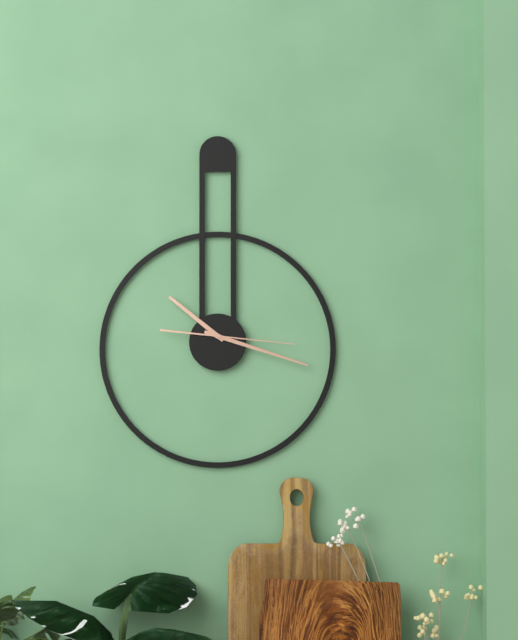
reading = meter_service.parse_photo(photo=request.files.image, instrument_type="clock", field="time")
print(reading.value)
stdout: 10:18:16
